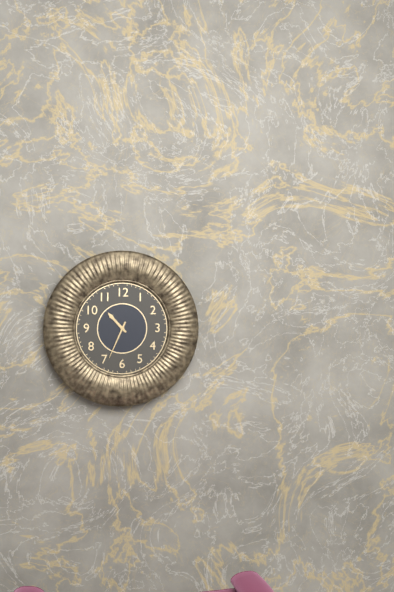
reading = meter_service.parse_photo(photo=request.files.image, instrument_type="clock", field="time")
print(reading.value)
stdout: 10:34
